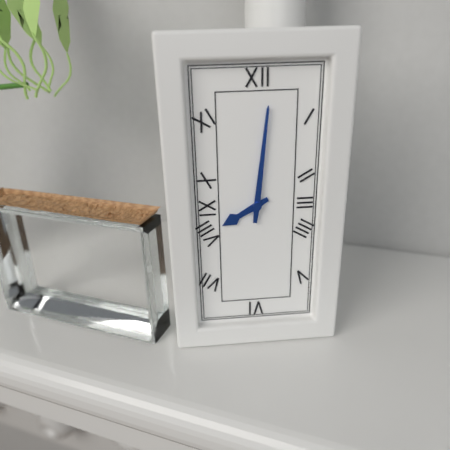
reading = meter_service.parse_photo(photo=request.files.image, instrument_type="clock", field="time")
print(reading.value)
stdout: 8:01
